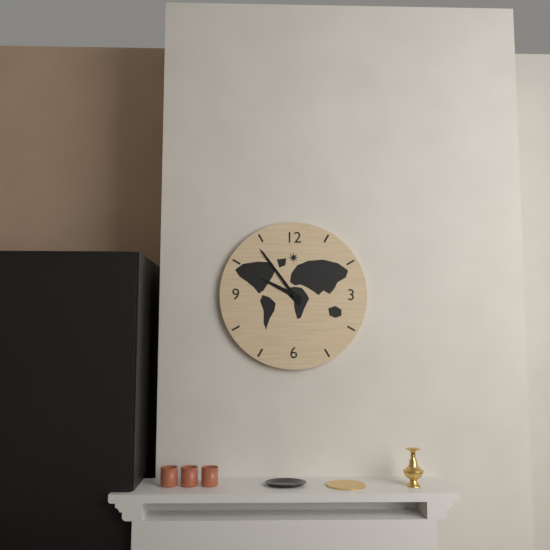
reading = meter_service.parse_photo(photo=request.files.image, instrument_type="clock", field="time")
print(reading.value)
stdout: 9:54
